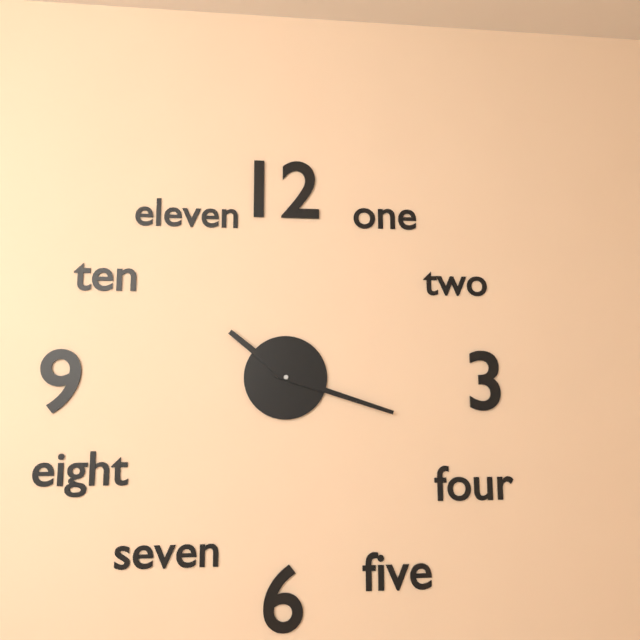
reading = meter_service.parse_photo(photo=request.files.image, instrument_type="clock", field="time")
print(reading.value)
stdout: 10:18
